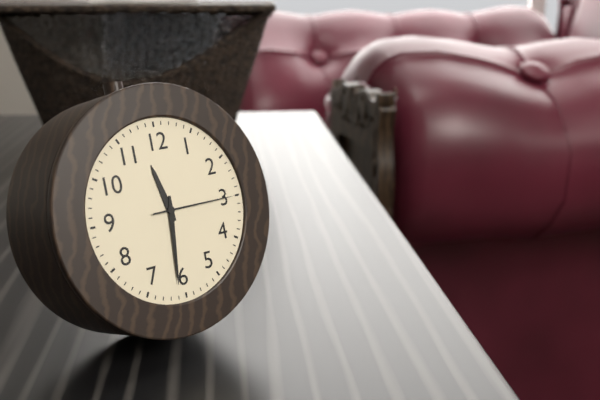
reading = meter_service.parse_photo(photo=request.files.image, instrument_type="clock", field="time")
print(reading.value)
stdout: 11:31:15
